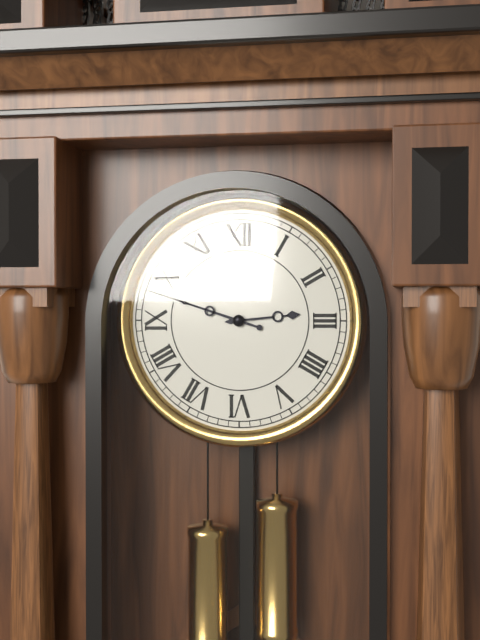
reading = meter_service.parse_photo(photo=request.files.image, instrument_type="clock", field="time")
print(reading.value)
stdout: 2:48
